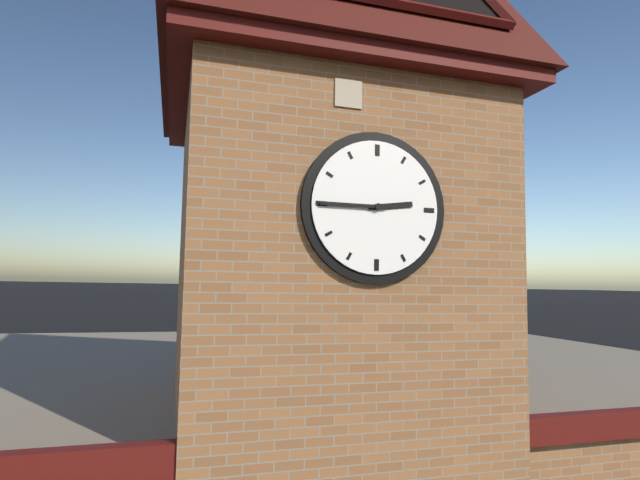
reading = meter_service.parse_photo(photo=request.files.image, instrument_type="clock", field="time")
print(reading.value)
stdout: 2:45
